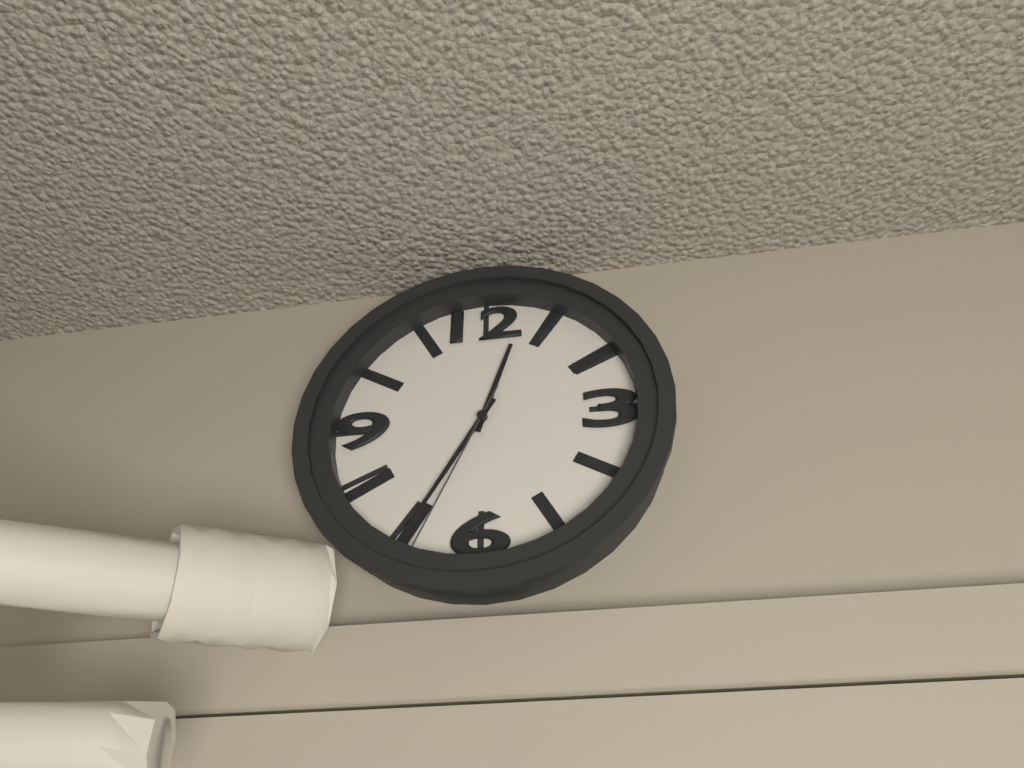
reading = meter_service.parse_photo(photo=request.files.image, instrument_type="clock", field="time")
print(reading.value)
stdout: 12:35:34
